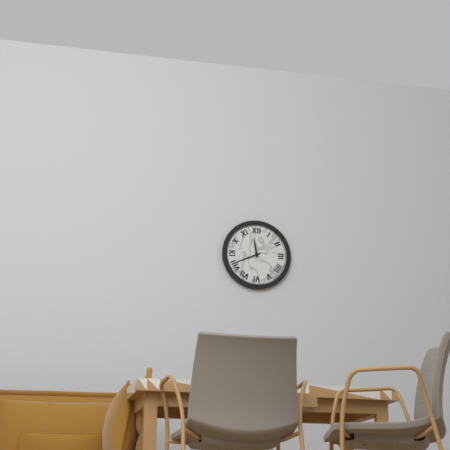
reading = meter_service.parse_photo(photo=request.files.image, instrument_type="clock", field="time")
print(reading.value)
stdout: 11:41
